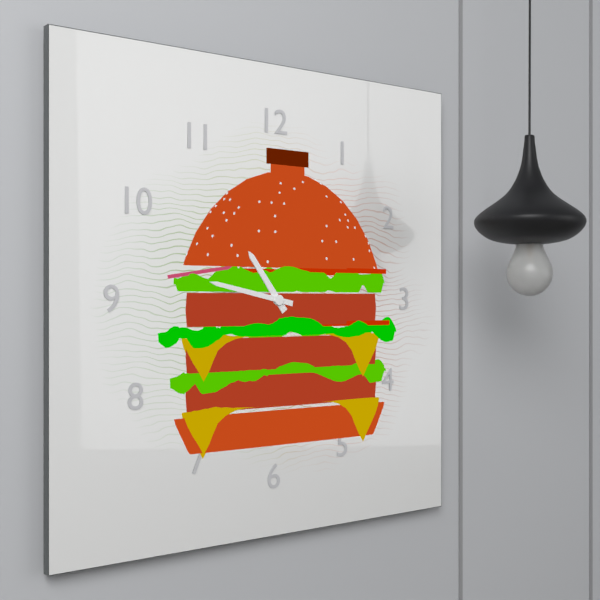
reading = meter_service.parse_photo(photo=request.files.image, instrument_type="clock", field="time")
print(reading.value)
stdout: 10:47
